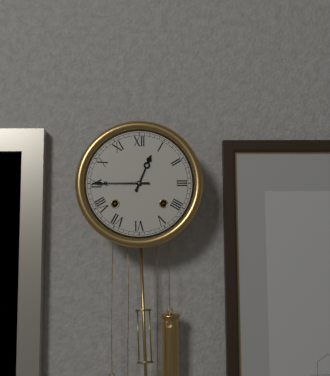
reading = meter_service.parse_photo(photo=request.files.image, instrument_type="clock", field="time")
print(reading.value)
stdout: 12:45
